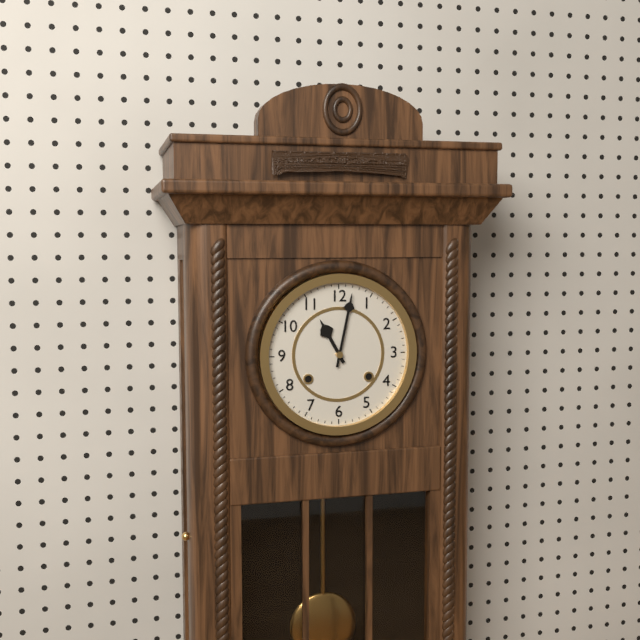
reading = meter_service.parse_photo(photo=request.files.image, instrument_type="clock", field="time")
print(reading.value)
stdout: 11:02
